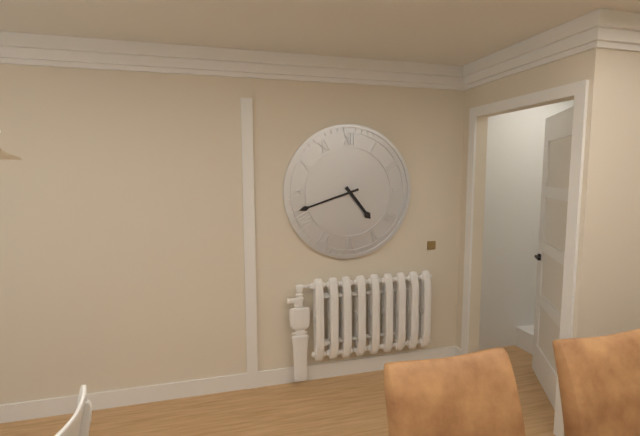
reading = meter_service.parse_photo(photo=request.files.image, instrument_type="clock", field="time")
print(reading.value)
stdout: 4:42
